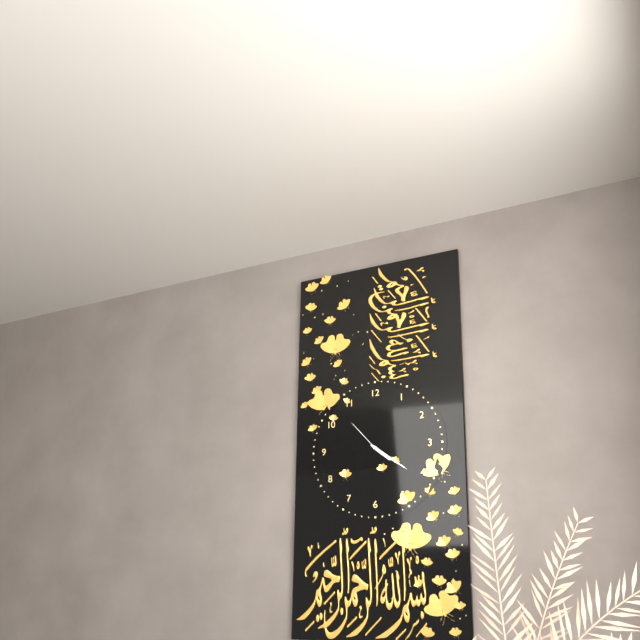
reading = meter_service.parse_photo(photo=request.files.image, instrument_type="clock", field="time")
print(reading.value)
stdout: 4:21
